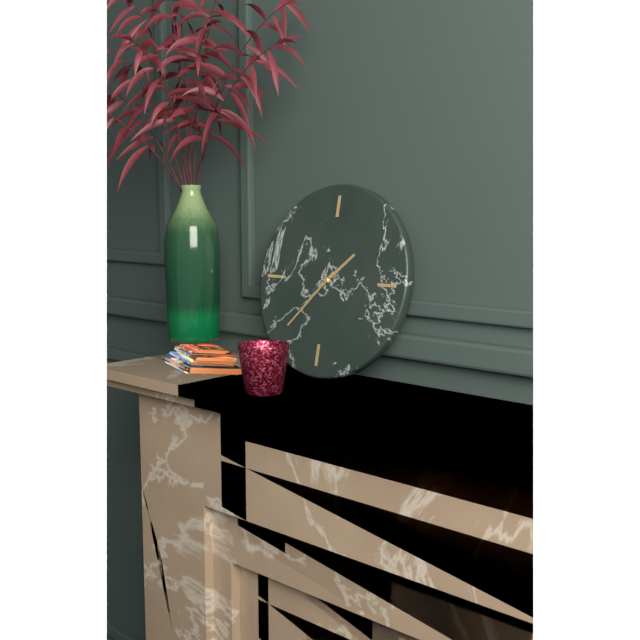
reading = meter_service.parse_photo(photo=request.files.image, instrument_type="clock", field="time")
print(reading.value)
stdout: 1:37
